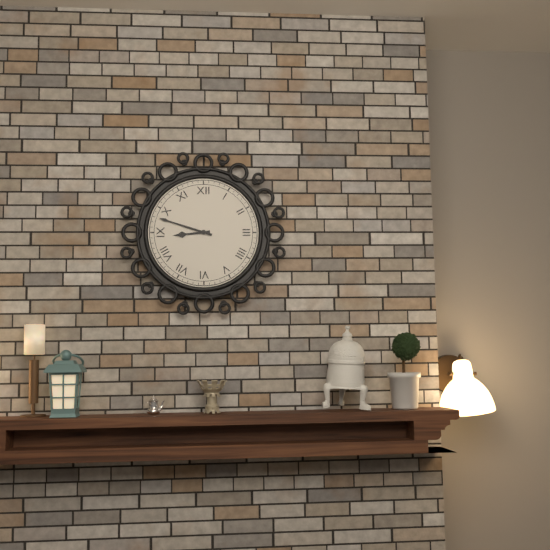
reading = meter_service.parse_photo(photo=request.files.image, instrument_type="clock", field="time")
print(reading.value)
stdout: 8:48
